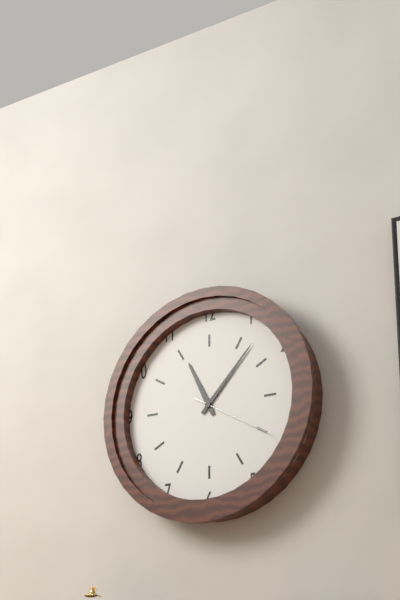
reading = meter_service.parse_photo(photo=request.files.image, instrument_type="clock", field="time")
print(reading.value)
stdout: 11:07:20
